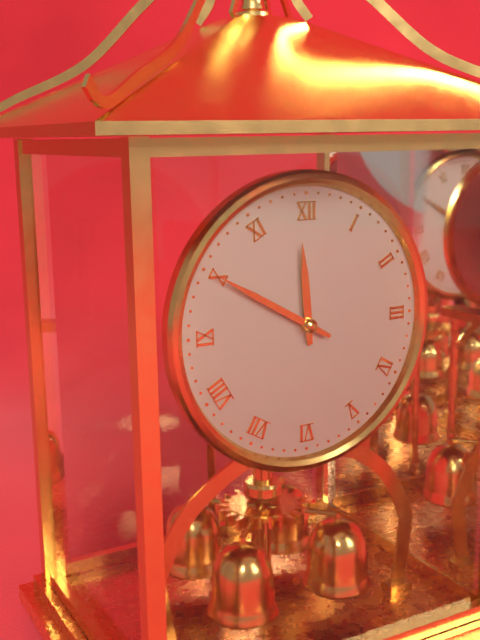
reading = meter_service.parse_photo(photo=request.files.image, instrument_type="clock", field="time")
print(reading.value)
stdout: 11:50
